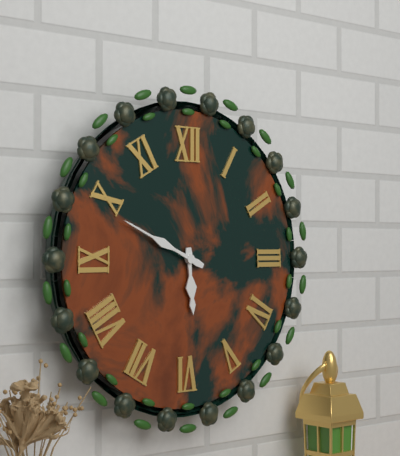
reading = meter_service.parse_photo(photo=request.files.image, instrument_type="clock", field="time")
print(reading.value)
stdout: 5:49
